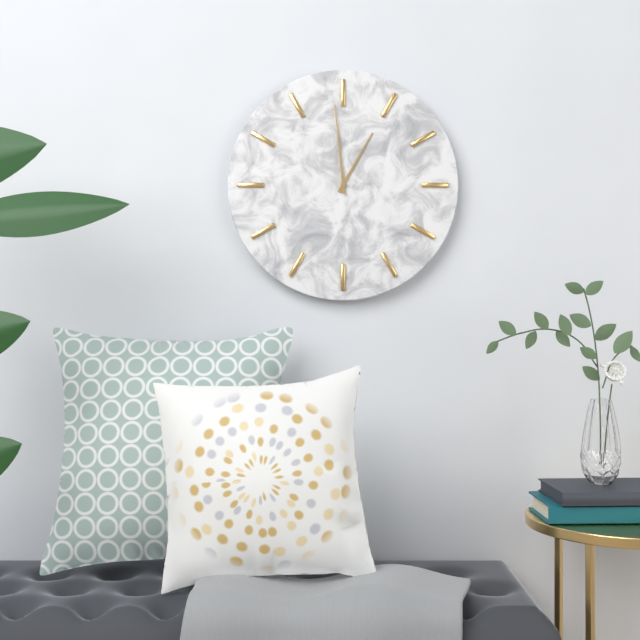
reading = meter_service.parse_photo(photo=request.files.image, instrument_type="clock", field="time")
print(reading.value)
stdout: 12:59
